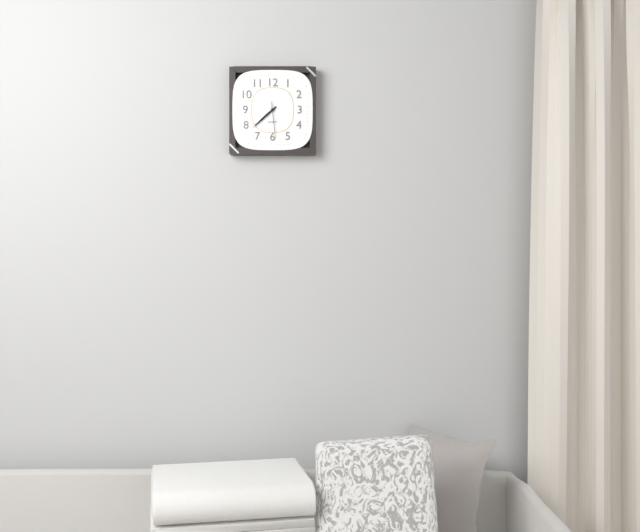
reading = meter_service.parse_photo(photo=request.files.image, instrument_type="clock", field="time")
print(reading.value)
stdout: 7:38
